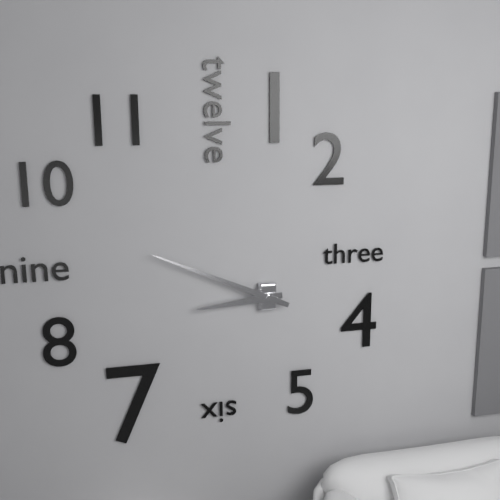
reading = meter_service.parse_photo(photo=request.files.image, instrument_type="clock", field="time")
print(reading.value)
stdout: 8:49
